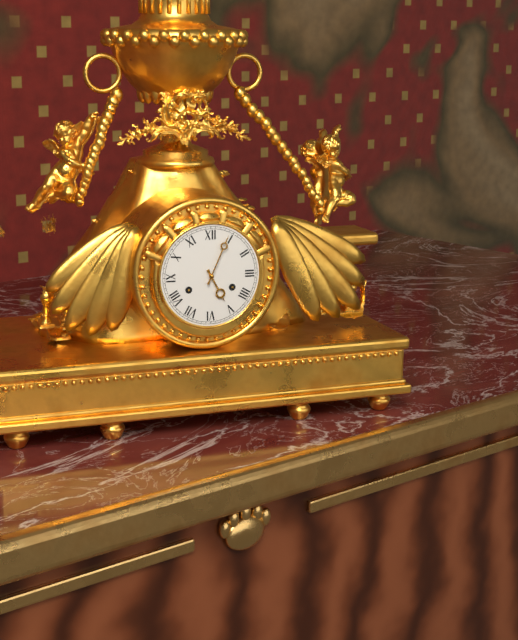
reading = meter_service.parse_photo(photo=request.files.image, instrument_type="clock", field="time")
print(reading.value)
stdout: 5:04
